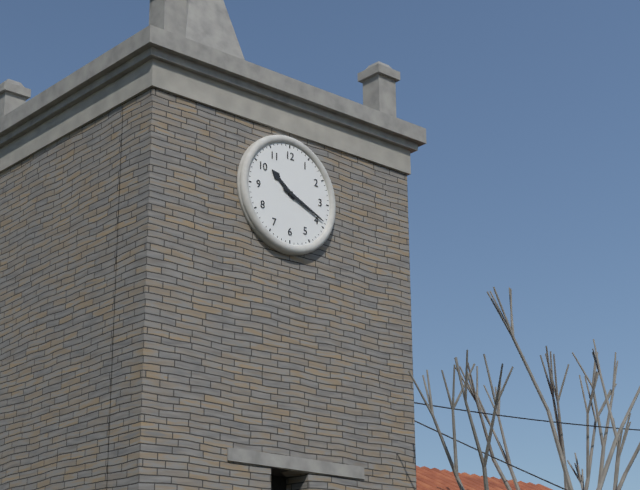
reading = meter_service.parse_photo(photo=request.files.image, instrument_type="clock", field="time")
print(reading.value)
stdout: 10:19
